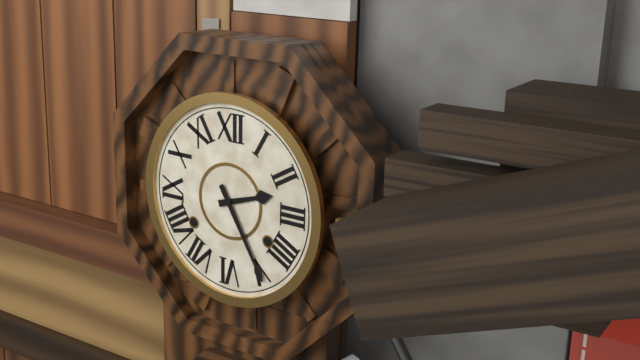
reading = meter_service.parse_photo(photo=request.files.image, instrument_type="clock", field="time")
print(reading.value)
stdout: 2:25
